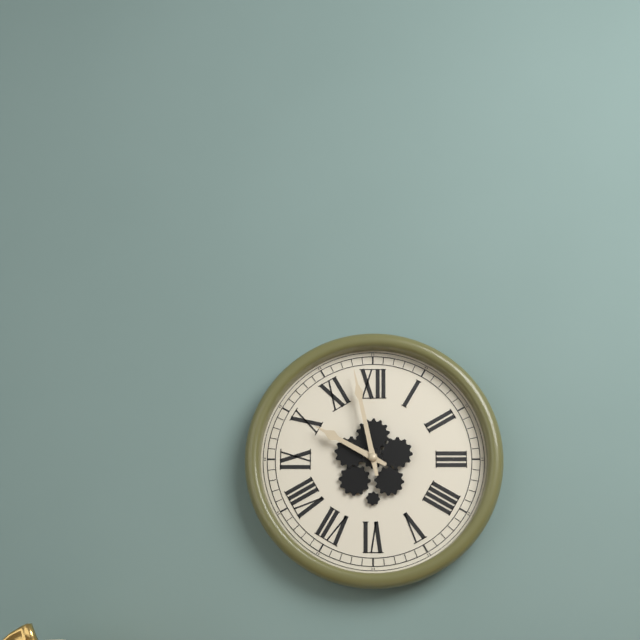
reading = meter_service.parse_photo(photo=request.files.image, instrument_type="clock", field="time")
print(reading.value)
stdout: 9:58
